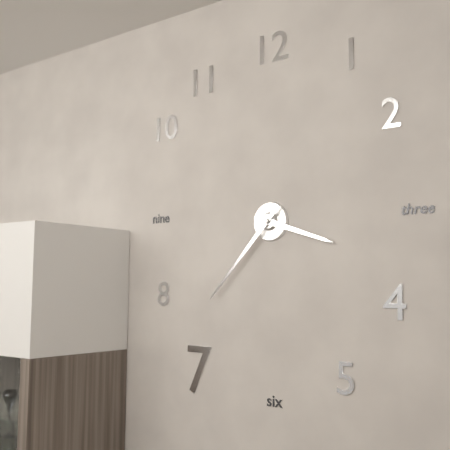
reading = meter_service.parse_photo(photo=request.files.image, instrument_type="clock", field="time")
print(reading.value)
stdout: 3:37
